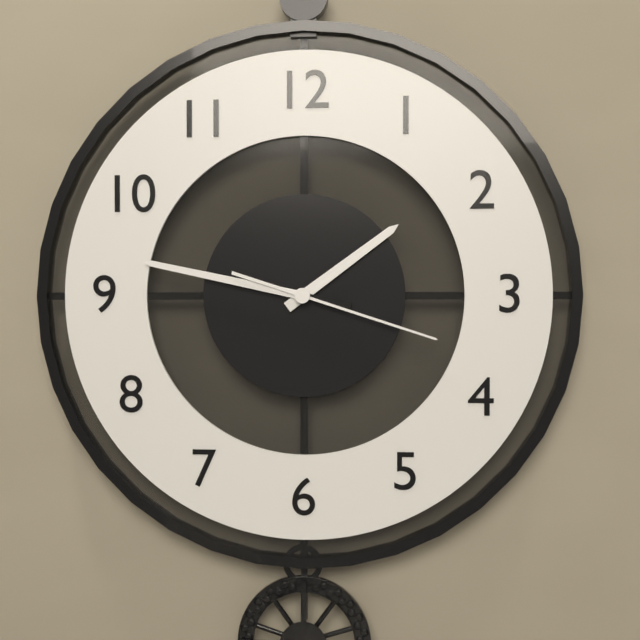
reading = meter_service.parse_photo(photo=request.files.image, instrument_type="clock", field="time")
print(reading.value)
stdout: 1:47:18
